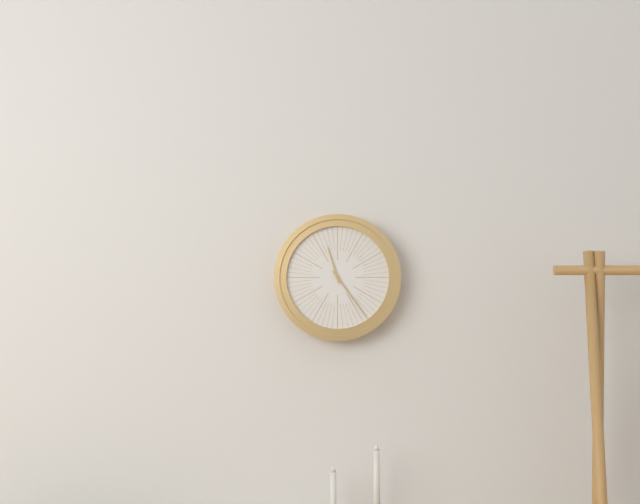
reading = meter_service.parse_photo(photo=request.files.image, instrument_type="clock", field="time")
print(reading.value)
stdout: 11:24
